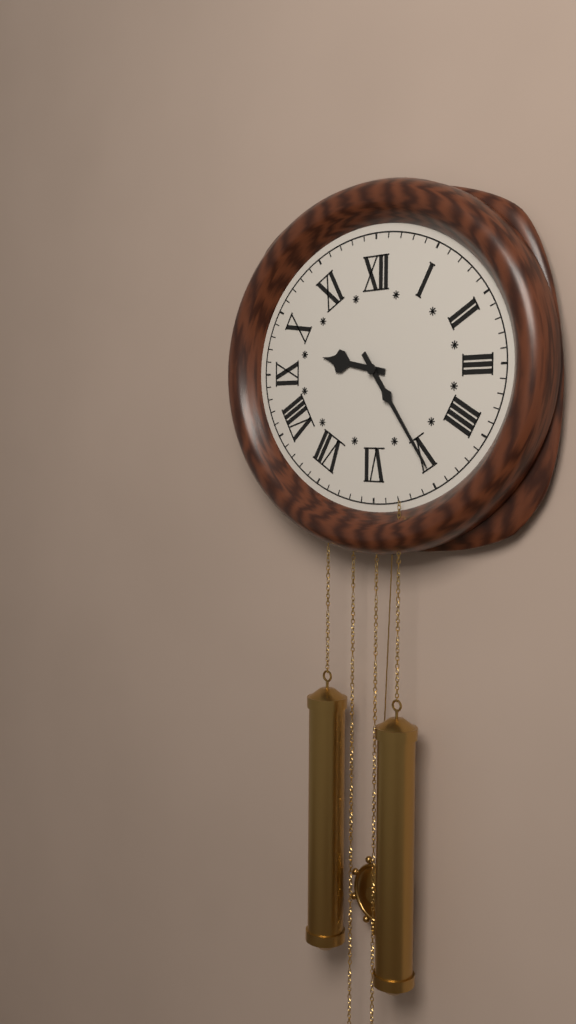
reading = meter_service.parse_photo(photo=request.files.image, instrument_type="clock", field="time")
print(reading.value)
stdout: 9:24
